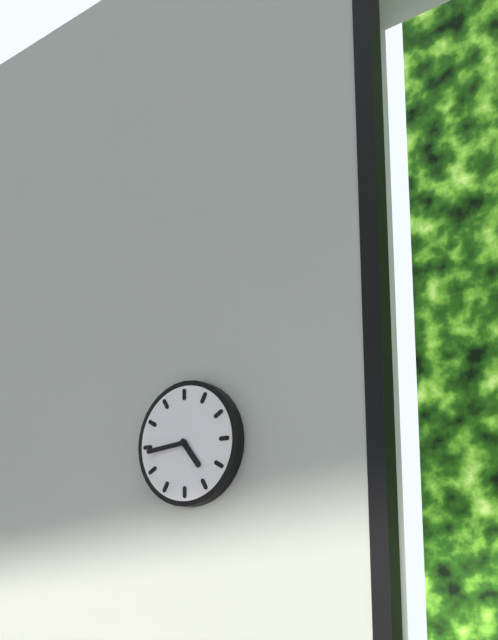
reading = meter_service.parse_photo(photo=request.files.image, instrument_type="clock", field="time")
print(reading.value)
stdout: 4:44
